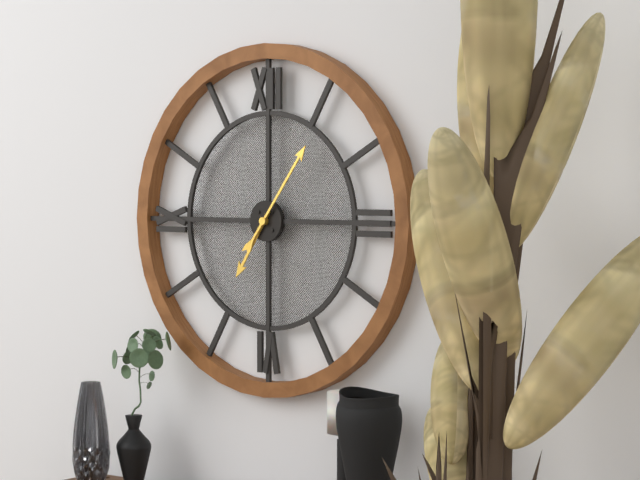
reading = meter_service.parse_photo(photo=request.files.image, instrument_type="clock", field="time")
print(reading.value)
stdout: 7:06
